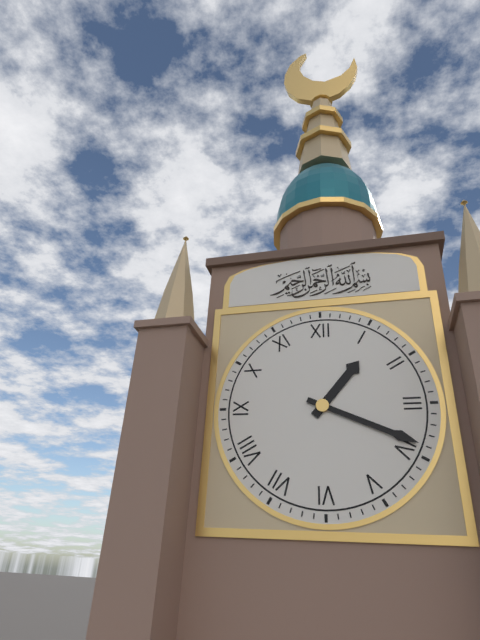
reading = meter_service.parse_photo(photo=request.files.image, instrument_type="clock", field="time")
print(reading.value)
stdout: 1:19
